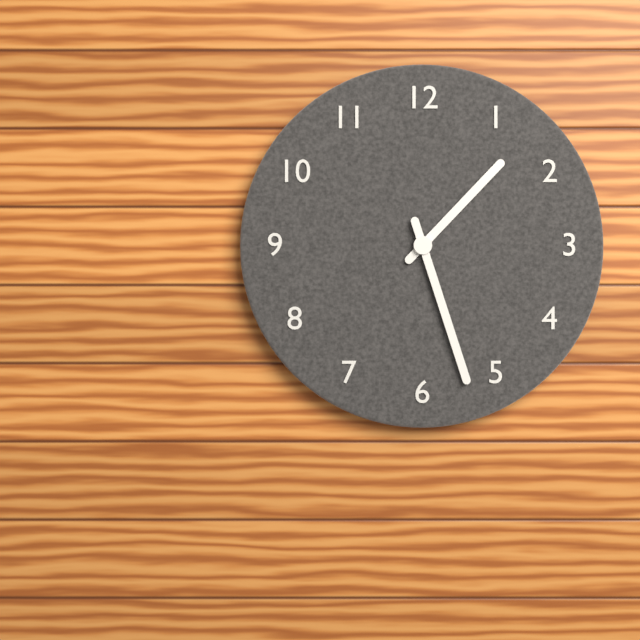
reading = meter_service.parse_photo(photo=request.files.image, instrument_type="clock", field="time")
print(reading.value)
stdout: 1:27
